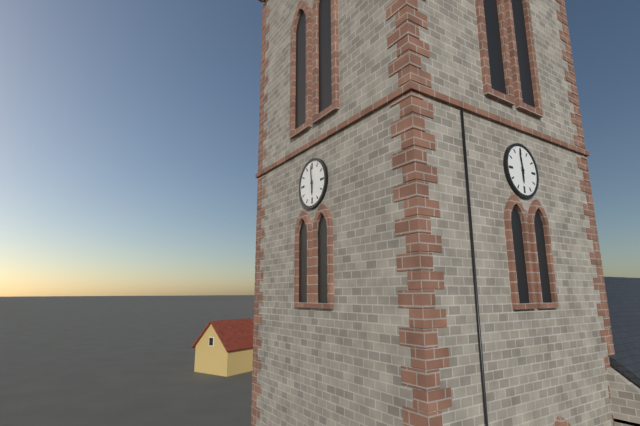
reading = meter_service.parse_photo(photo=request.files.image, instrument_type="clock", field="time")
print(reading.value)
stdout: 5:59
